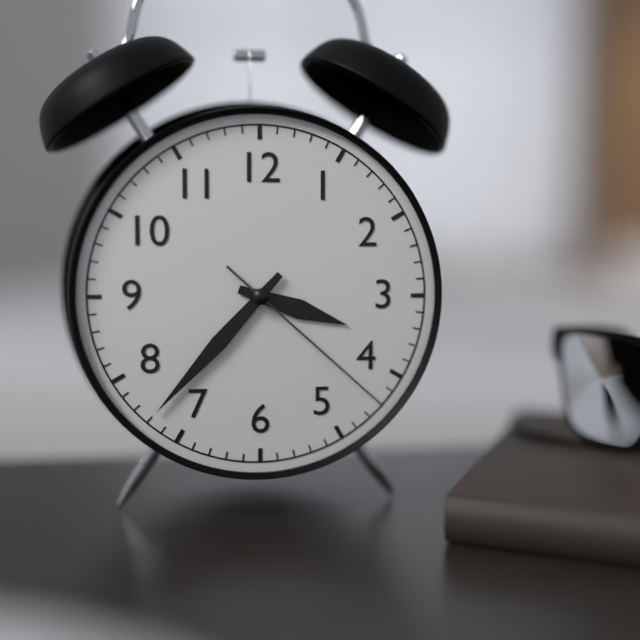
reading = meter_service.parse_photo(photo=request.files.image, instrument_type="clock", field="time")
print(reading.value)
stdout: 3:37:22
